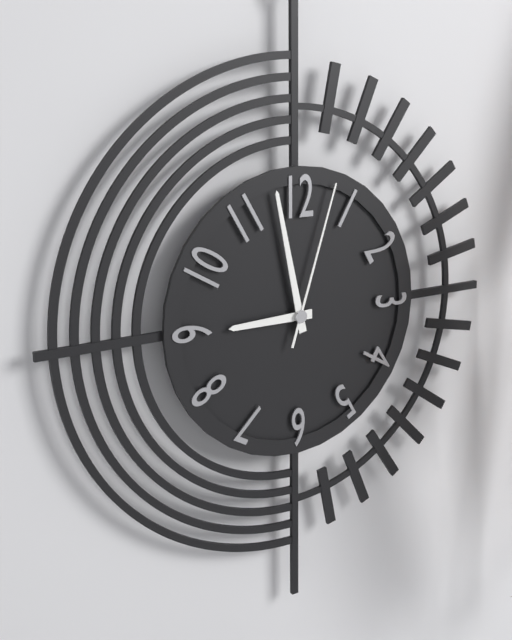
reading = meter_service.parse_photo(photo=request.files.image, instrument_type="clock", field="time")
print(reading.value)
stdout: 8:58:03
